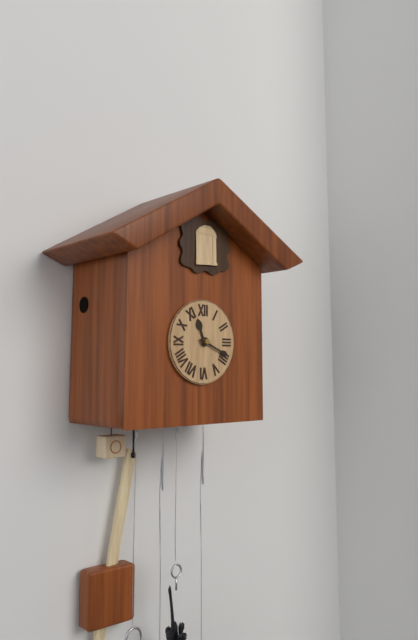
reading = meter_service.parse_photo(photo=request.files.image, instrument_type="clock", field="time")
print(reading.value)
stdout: 11:19
